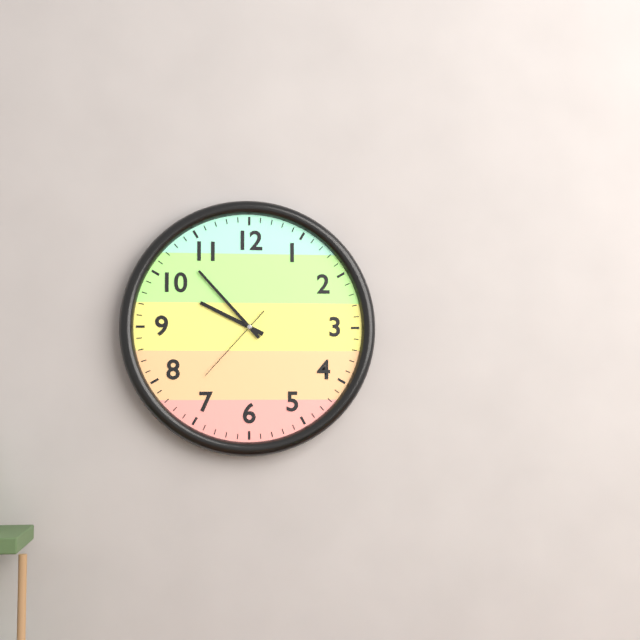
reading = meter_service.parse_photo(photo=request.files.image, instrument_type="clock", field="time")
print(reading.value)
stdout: 9:53:37
